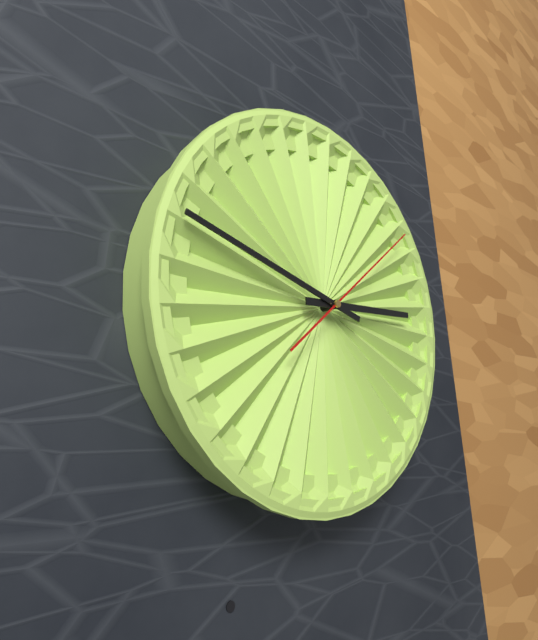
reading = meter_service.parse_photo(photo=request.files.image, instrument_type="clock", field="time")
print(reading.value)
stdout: 2:47:08
